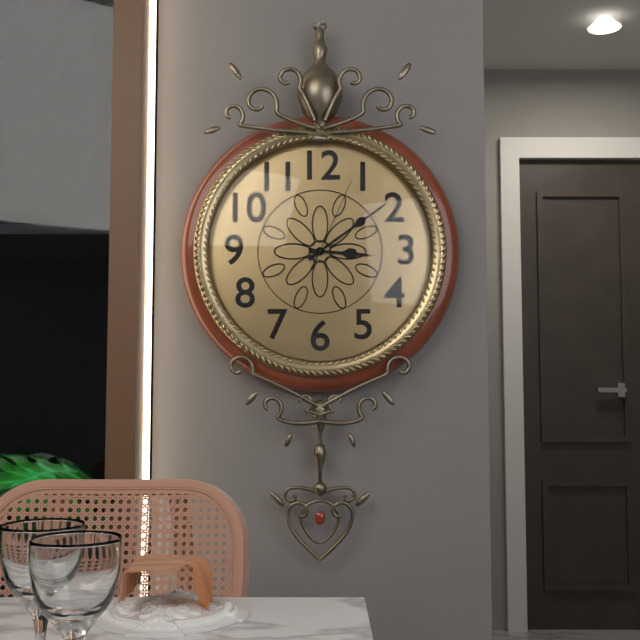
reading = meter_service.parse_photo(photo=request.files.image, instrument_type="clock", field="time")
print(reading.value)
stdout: 3:09:04
